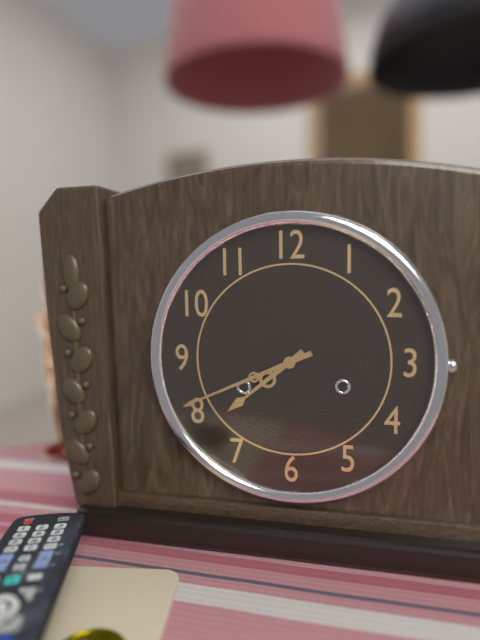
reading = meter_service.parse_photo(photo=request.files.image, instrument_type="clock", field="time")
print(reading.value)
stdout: 7:41
